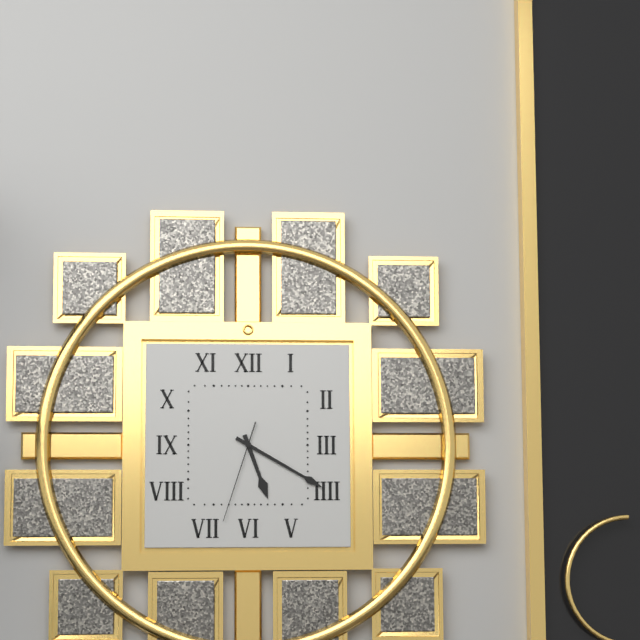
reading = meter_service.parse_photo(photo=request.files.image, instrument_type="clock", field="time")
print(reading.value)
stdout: 5:20:33
